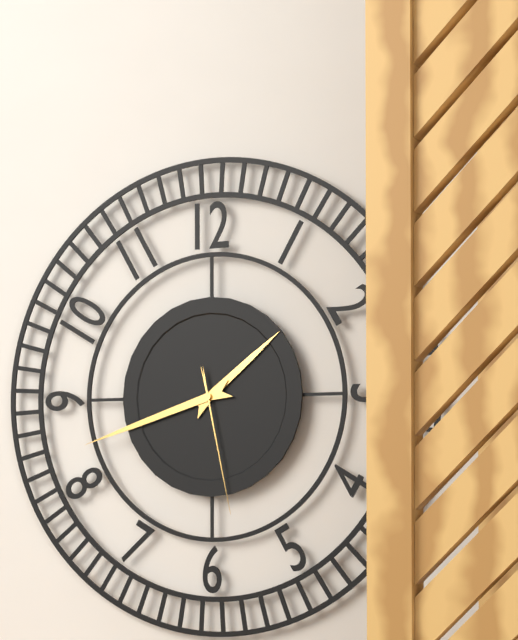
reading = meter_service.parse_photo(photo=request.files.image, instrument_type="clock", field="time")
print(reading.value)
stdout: 1:42:28
